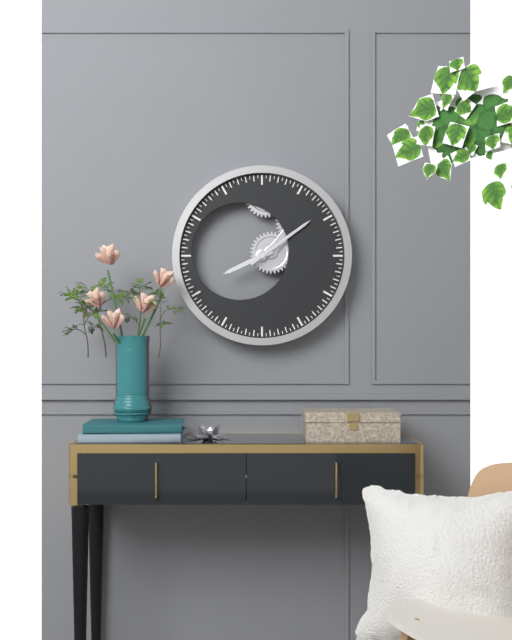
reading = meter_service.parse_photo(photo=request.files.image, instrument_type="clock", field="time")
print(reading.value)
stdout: 8:09
